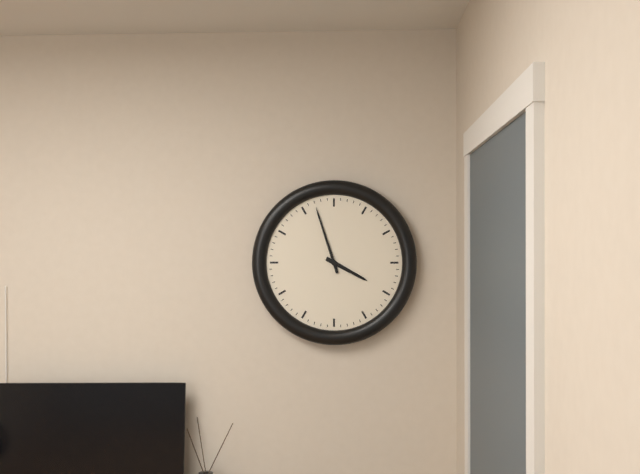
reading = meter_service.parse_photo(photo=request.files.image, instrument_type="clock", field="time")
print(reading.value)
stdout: 3:57
